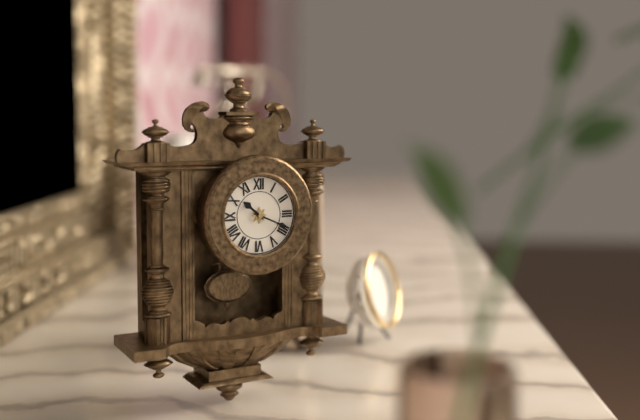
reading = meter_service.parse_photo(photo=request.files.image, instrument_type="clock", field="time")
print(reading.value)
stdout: 10:19
